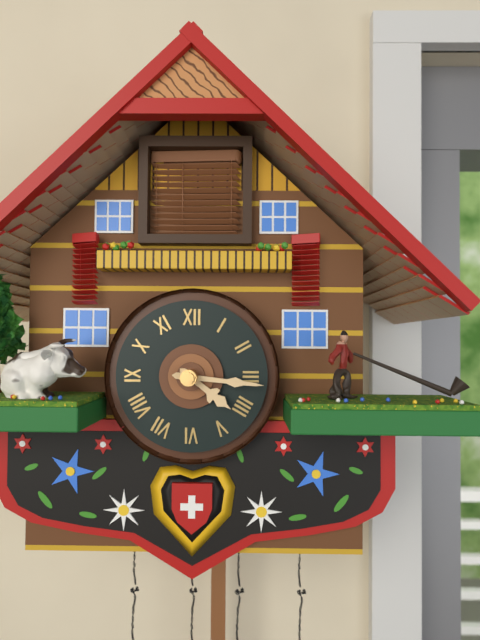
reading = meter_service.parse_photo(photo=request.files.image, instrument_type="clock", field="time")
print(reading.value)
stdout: 4:16
